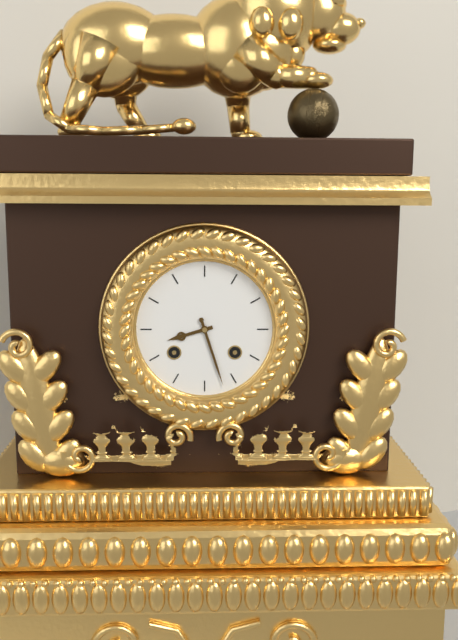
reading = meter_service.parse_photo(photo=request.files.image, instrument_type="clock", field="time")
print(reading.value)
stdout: 8:27
